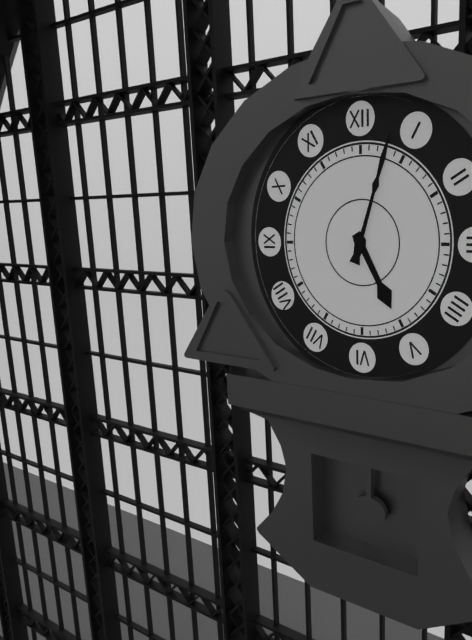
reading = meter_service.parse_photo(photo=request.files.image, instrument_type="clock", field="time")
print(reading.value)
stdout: 5:03
